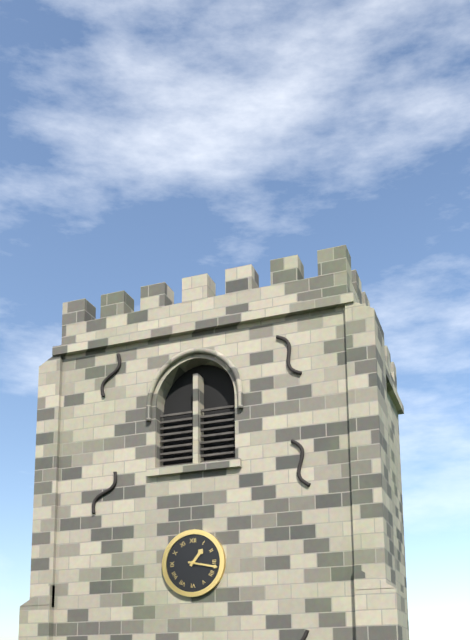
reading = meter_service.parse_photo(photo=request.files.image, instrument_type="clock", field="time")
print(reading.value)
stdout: 1:17
